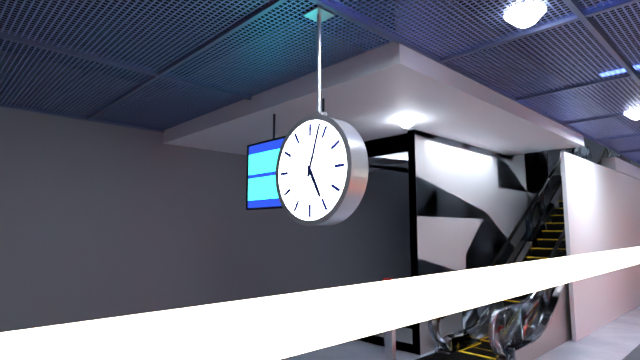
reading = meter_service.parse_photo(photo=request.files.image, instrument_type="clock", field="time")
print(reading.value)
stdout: 5:03
